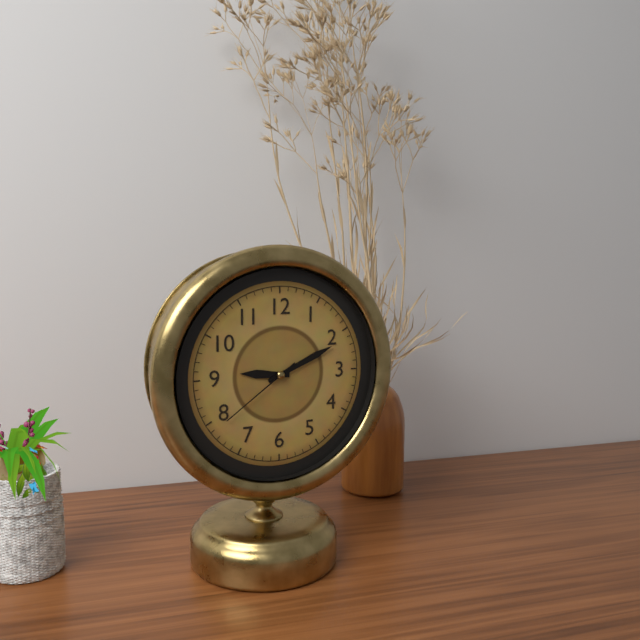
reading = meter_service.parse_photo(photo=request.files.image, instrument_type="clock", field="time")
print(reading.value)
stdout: 9:11:39
